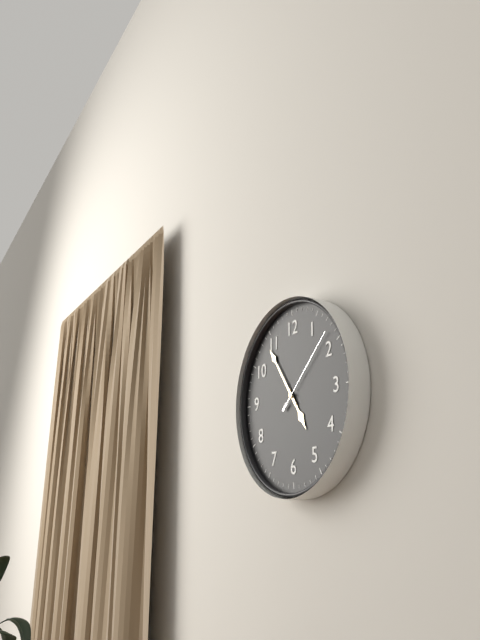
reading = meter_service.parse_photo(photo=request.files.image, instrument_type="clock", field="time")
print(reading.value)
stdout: 4:54:08
